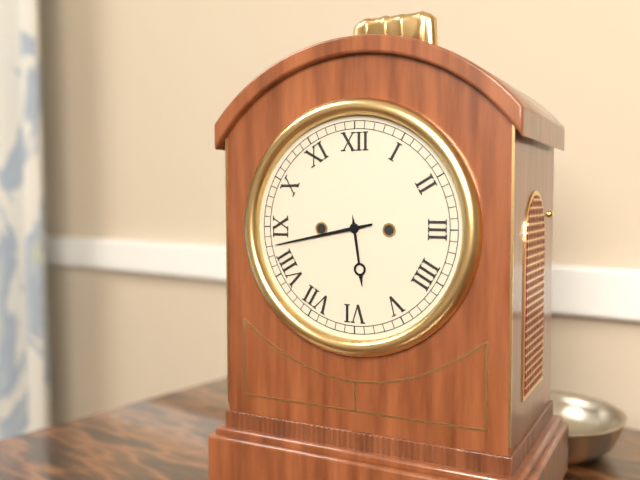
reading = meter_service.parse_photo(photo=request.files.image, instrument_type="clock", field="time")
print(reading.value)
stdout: 5:43
